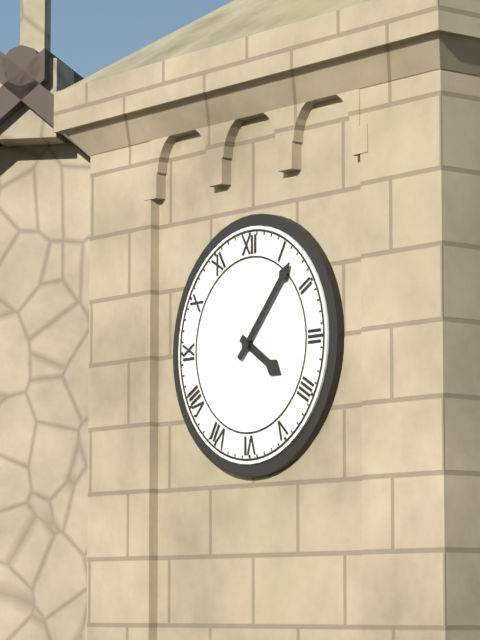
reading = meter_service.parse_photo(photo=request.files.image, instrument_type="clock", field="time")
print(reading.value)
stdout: 4:07
